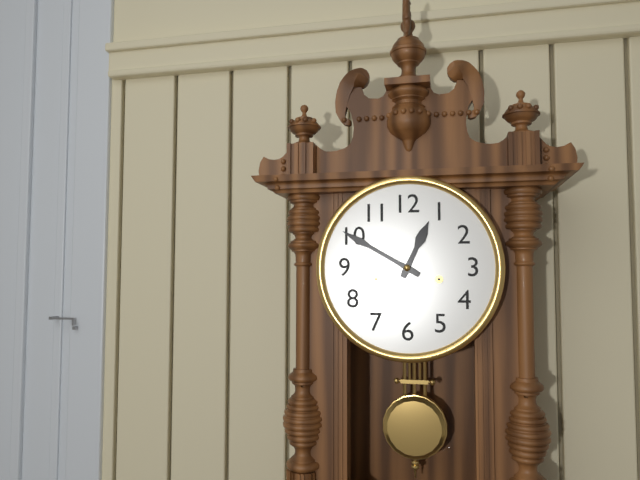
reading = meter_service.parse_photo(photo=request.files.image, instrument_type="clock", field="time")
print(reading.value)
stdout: 12:50
